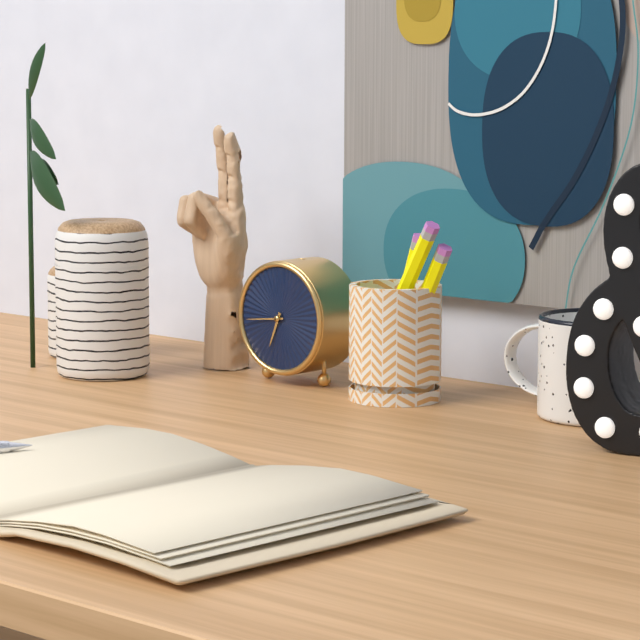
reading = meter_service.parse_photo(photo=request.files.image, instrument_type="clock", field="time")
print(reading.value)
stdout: 6:44
